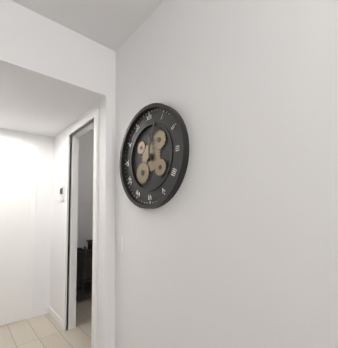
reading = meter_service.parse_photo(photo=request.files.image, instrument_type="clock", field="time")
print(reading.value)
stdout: 12:03
